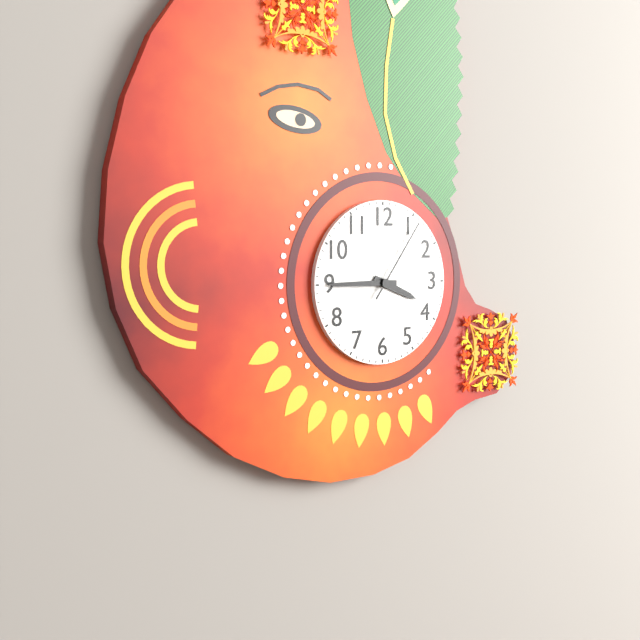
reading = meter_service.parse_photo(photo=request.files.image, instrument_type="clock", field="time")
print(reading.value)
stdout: 3:45:06
